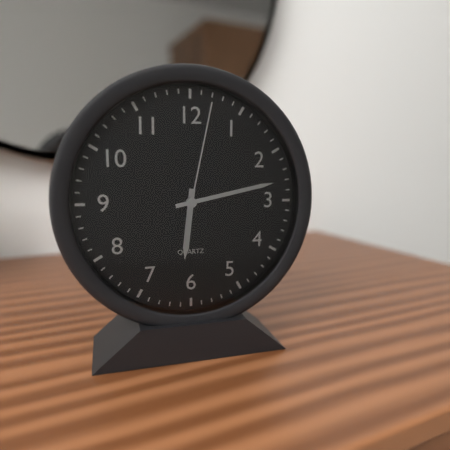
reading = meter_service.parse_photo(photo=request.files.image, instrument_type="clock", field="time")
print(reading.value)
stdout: 6:13:02
